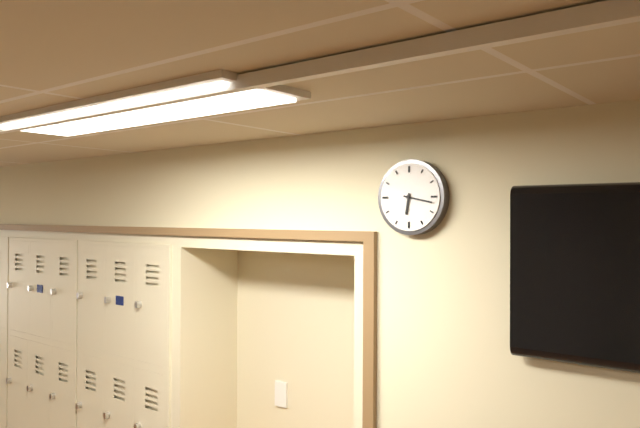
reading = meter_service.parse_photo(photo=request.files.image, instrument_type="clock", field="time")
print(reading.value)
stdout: 6:17
